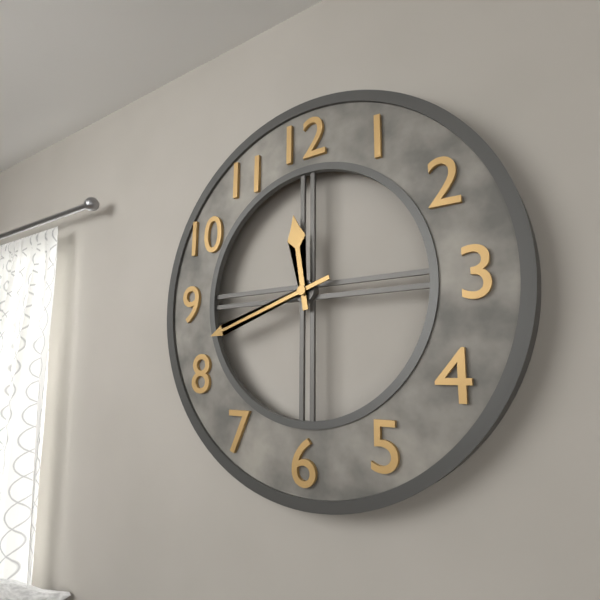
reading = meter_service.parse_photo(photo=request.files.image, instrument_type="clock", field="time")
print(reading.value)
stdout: 11:42
